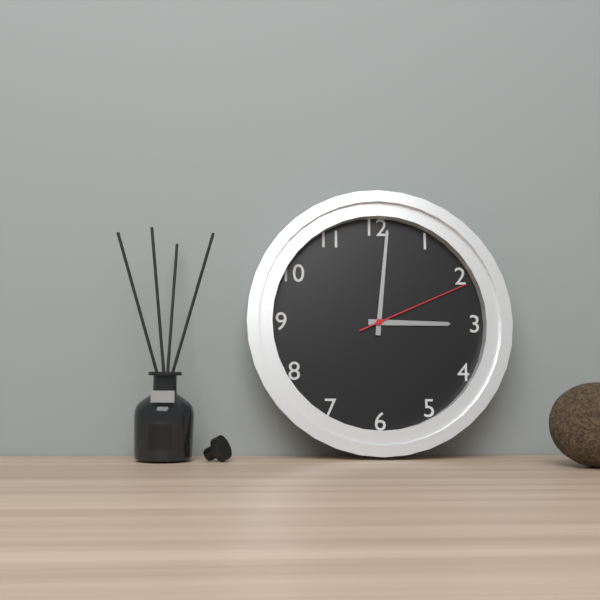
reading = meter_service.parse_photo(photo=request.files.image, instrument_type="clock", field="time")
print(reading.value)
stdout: 3:01:11
